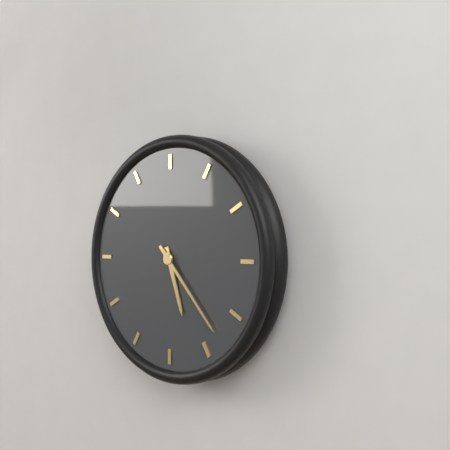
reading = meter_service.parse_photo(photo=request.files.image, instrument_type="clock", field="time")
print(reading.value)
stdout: 5:23
